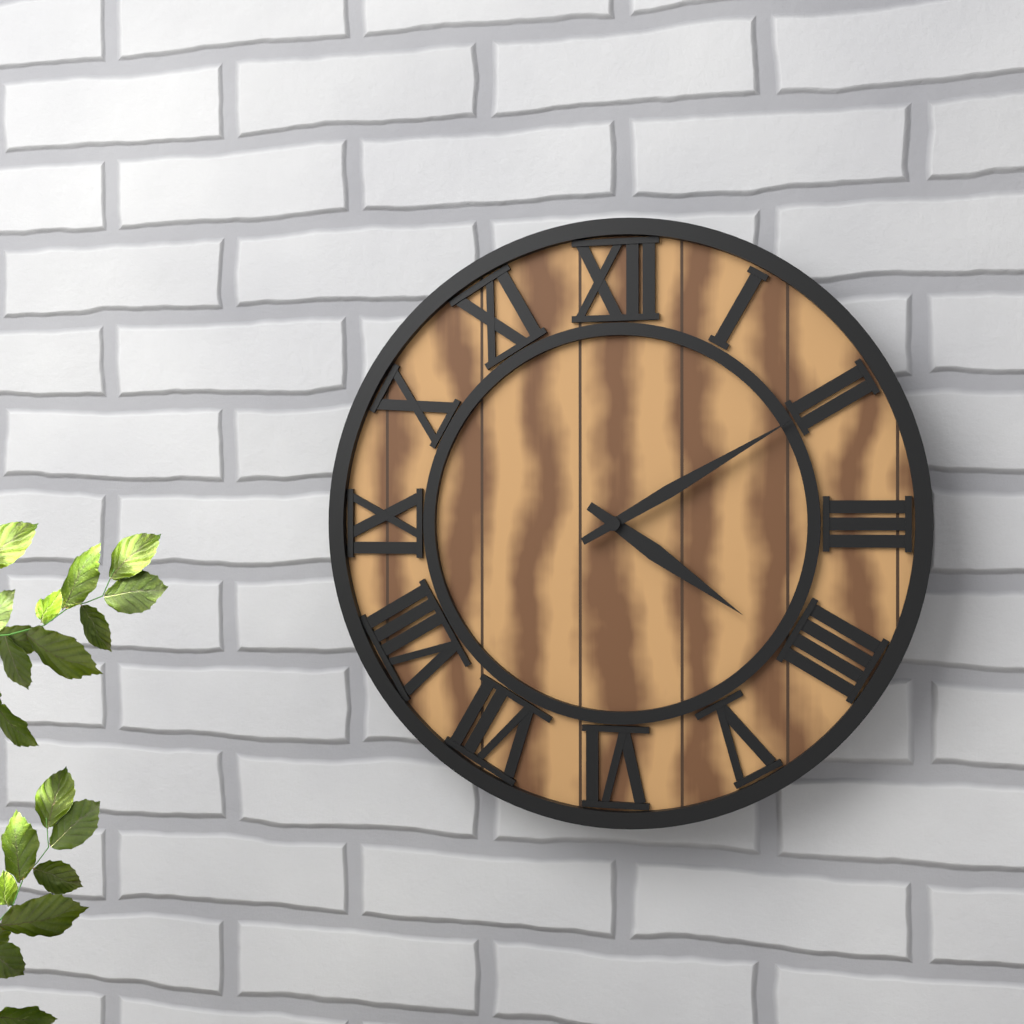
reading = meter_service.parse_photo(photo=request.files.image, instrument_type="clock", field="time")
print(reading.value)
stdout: 4:10
